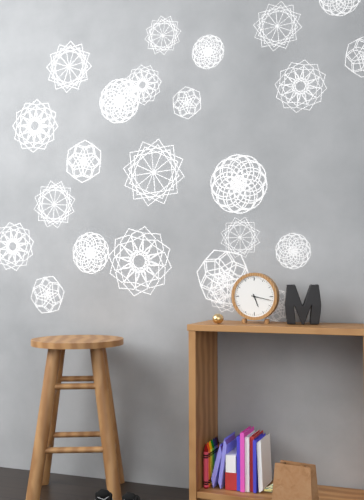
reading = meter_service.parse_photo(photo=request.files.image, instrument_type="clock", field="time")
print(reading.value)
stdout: 5:17
